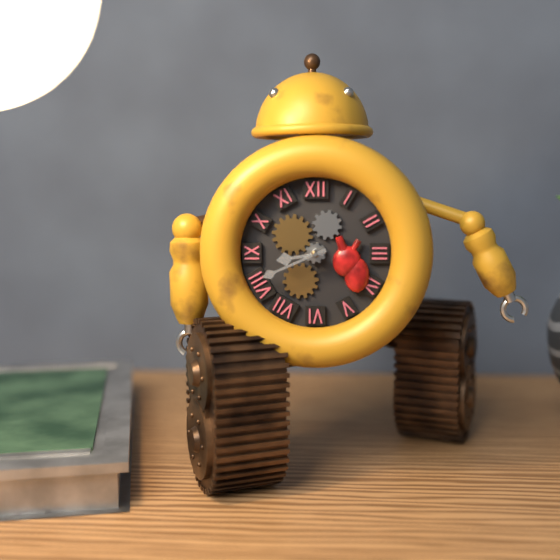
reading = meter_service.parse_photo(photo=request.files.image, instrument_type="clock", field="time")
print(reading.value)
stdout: 8:41
